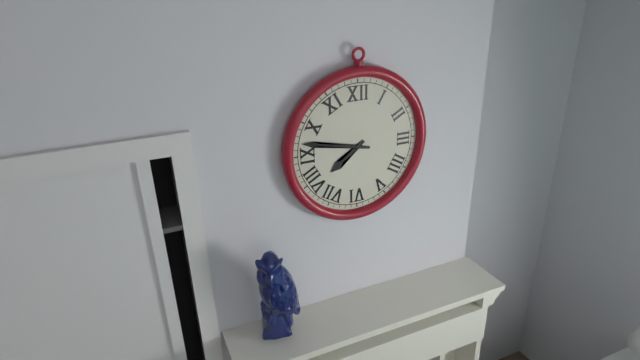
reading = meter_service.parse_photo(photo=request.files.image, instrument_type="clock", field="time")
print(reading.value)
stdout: 7:47
